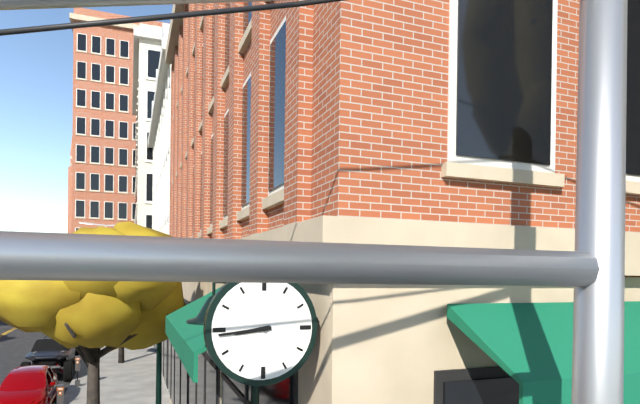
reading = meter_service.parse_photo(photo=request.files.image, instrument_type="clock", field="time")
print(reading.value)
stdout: 8:44
